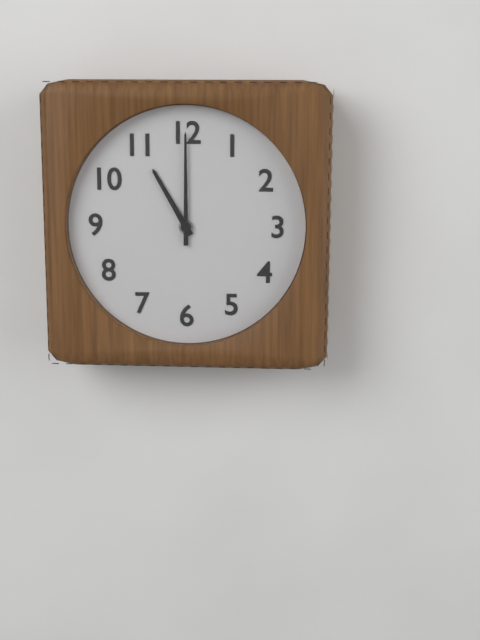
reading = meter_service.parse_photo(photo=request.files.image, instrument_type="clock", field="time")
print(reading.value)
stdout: 11:00
